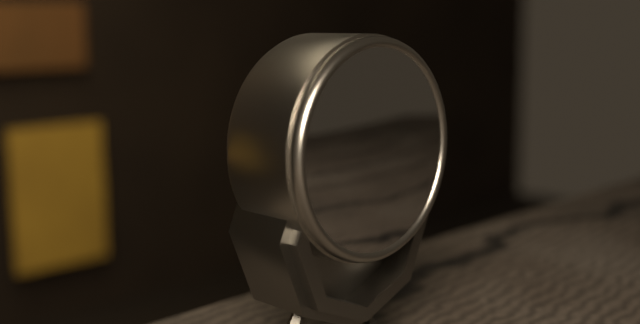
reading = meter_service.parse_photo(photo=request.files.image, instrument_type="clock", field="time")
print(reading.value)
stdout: 7:43
